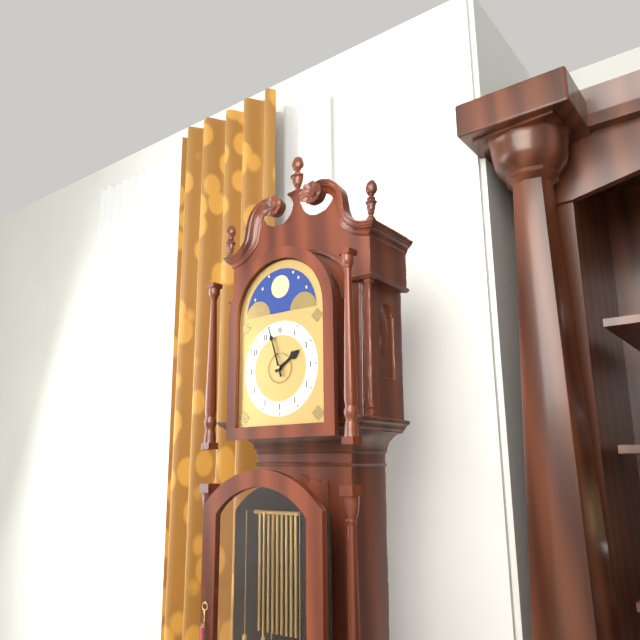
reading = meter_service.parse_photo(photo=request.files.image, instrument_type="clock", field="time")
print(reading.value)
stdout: 1:57
